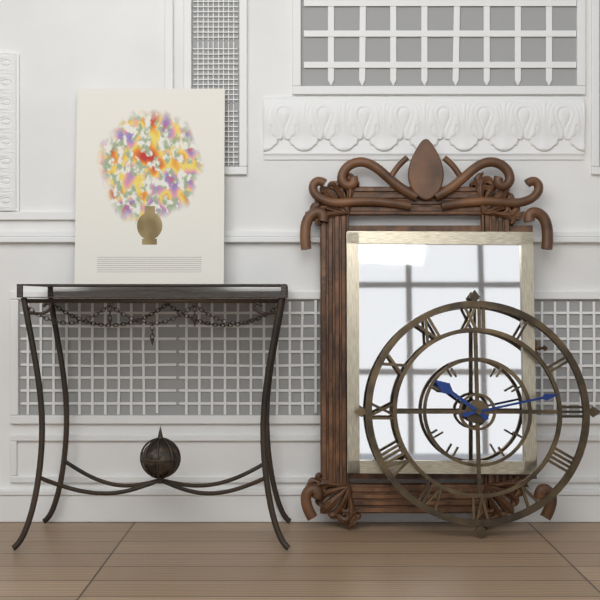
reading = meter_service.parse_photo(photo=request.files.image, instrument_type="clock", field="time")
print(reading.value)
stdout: 10:13
